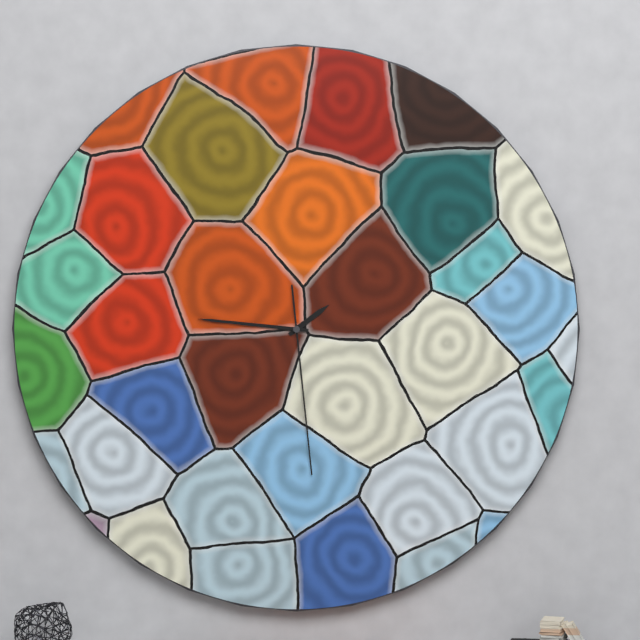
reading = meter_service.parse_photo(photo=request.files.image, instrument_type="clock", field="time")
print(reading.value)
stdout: 1:46:29
